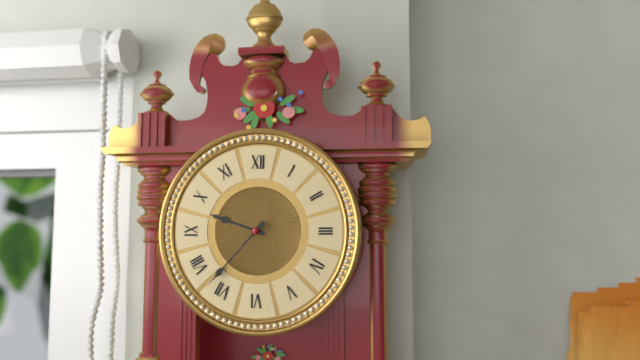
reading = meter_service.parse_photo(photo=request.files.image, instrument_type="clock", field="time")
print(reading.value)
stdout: 9:37
